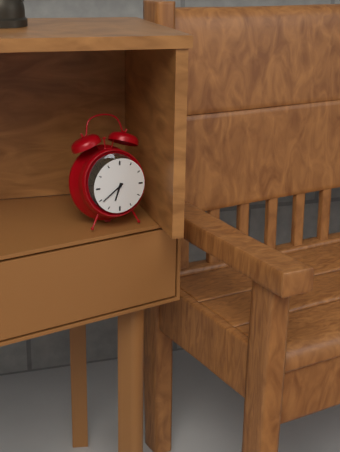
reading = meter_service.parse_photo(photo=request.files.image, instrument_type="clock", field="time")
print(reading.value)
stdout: 6:39
